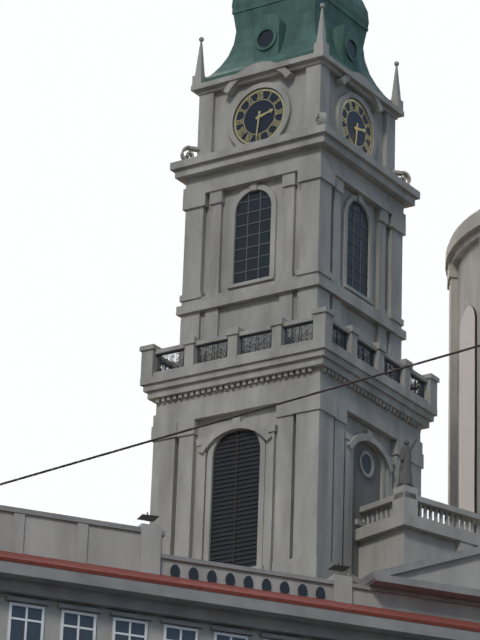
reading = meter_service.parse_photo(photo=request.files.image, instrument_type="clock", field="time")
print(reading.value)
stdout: 2:31
